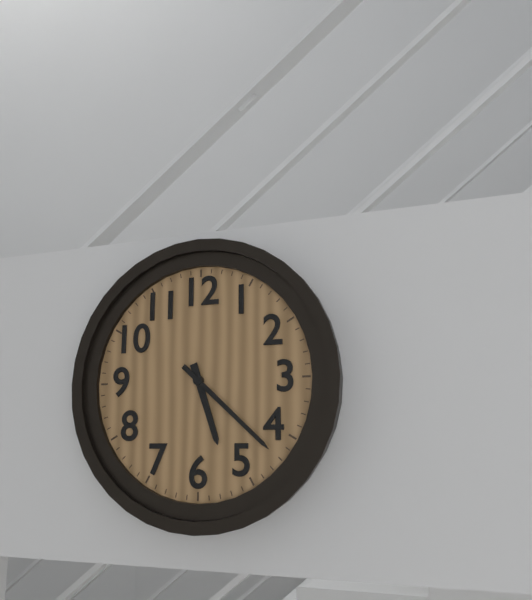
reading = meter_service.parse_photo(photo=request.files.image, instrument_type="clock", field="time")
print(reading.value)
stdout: 5:22
